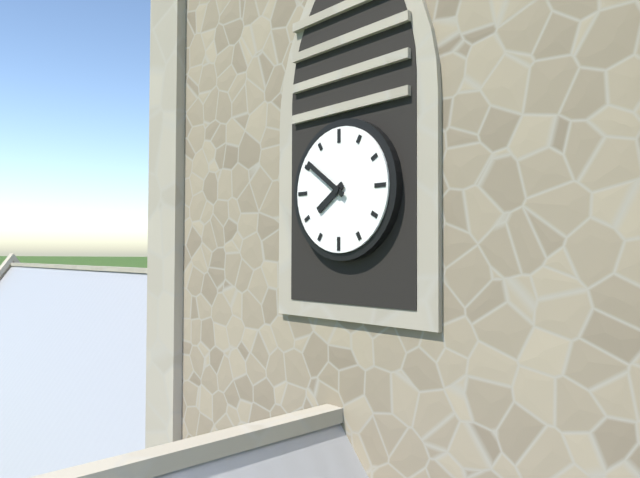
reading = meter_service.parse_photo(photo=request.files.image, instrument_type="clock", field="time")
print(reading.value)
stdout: 7:51
